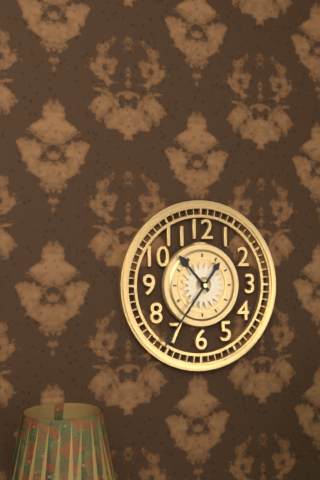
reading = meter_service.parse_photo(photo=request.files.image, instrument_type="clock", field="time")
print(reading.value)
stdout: 10:36
